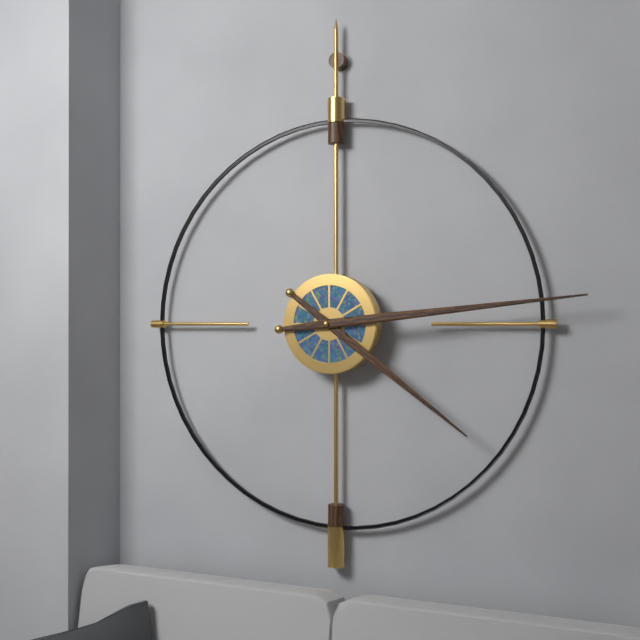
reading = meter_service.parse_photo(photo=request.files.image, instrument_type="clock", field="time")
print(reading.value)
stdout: 4:14
